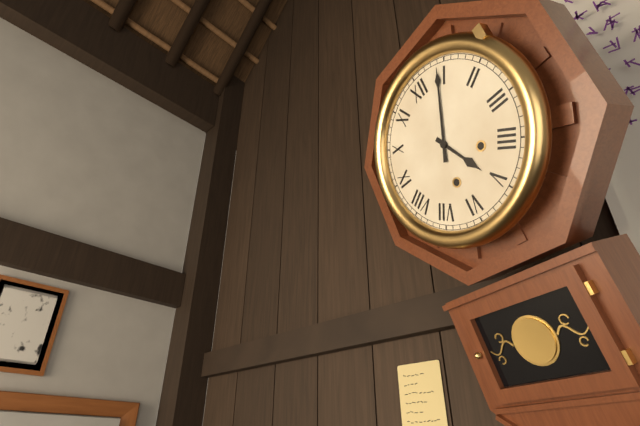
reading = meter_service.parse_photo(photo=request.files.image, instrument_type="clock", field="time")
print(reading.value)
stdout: 5:04
